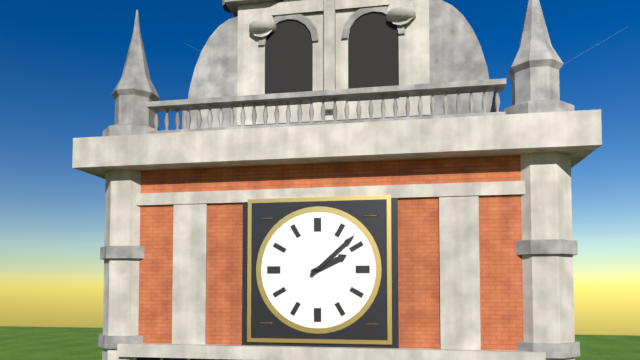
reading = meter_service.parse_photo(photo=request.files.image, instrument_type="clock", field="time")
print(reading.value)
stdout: 2:08
